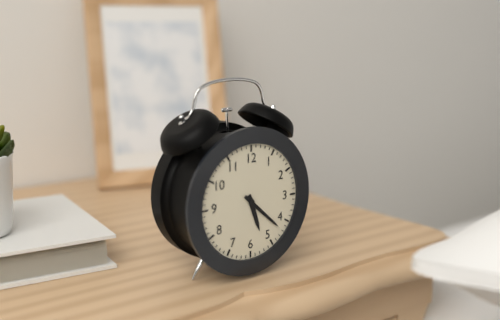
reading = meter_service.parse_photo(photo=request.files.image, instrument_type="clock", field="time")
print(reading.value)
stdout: 5:22
